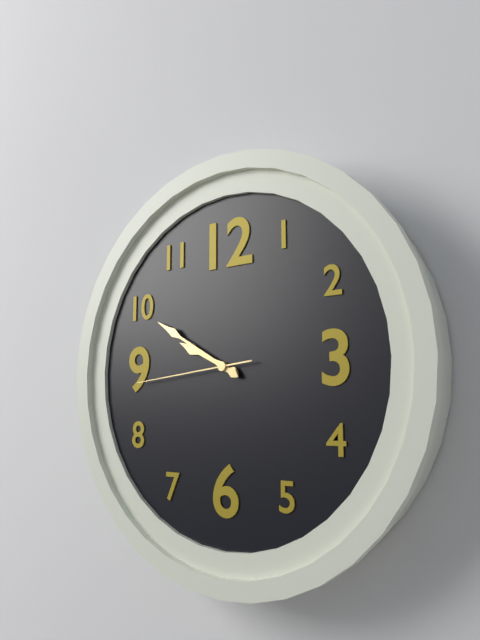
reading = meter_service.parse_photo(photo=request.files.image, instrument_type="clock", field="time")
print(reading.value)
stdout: 9:50:44
